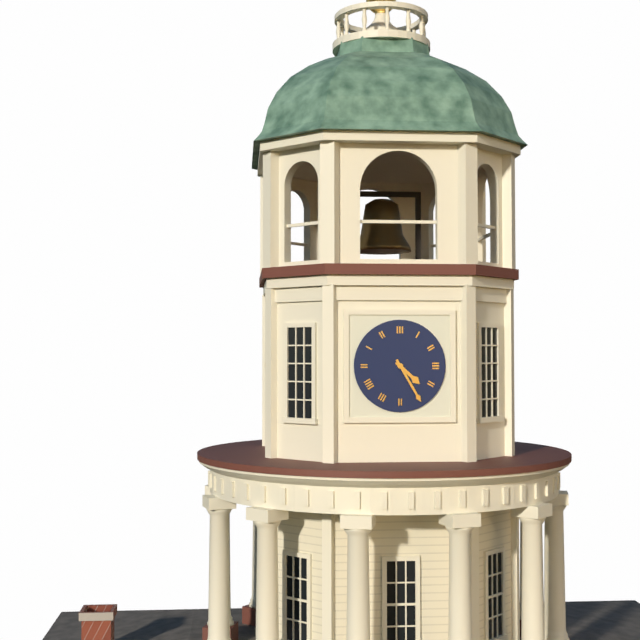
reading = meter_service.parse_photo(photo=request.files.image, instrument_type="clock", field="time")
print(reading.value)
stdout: 4:25
